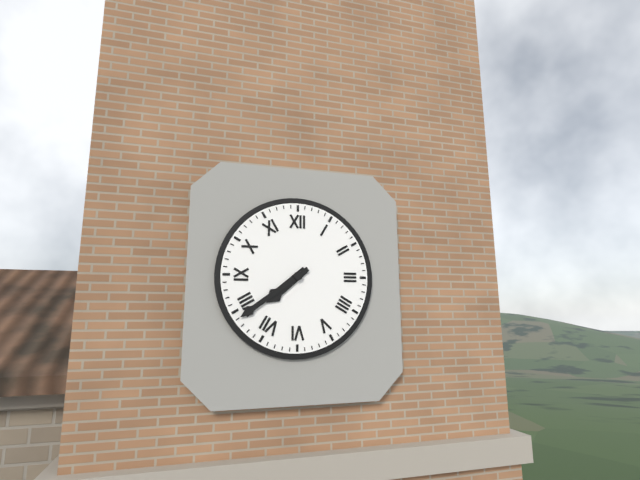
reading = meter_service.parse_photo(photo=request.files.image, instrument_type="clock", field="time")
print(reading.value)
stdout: 7:39
